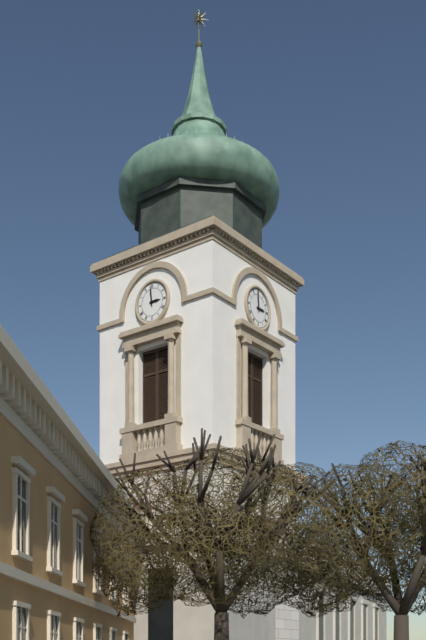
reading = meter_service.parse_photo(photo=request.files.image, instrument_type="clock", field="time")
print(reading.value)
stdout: 2:59
